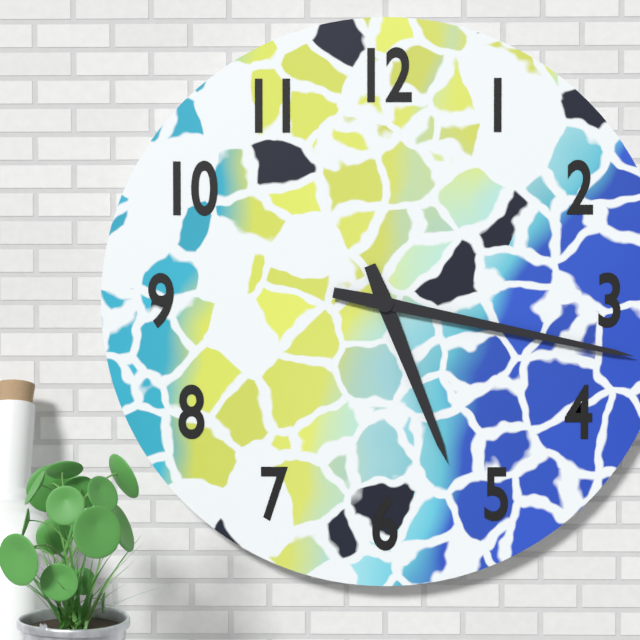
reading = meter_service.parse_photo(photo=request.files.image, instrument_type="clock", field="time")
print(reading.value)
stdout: 5:17
